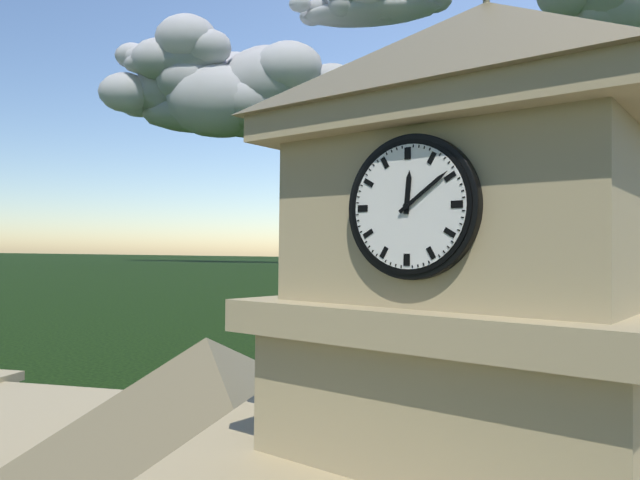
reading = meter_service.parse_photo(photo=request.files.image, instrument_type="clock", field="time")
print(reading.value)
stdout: 12:09
